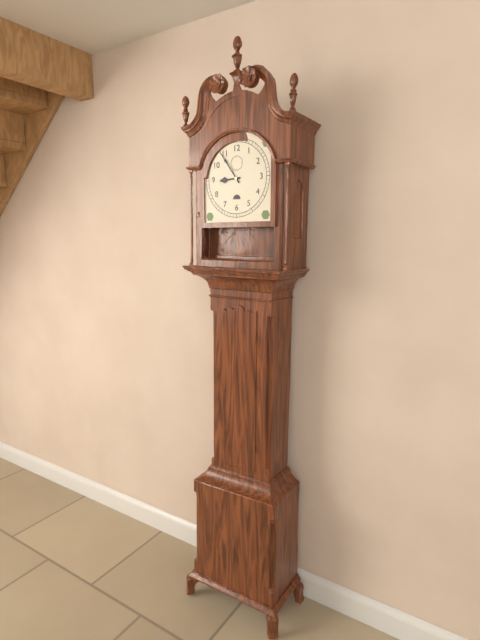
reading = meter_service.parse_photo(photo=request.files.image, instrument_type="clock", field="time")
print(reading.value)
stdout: 8:54
